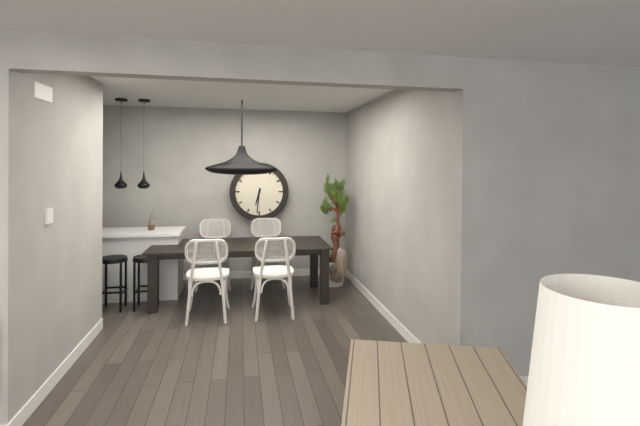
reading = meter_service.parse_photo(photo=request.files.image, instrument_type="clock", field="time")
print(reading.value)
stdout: 6:31
